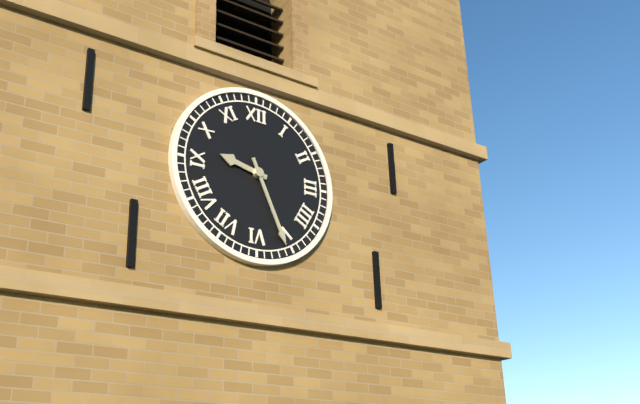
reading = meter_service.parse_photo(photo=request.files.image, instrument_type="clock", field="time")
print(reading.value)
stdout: 9:26
